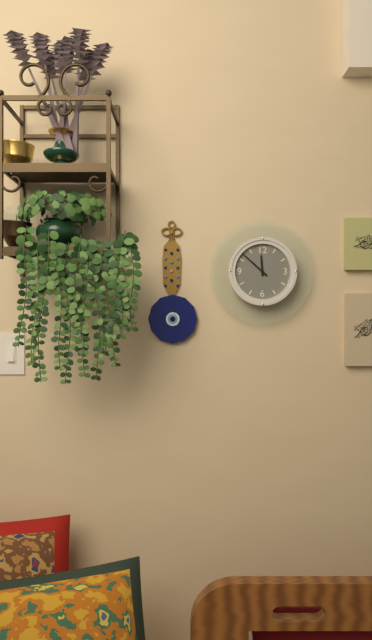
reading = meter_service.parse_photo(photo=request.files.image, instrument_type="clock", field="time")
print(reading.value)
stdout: 11:52
